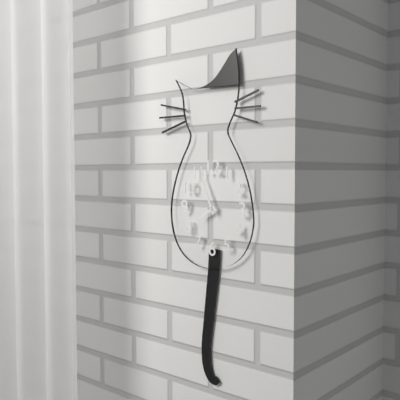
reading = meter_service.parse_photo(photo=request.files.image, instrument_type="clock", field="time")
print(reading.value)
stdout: 7:56
